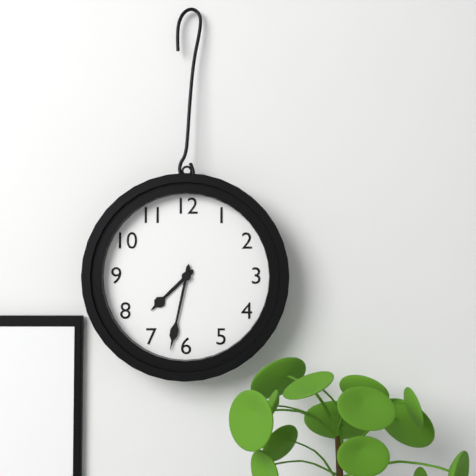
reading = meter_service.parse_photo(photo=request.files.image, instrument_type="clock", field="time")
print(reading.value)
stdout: 7:32
